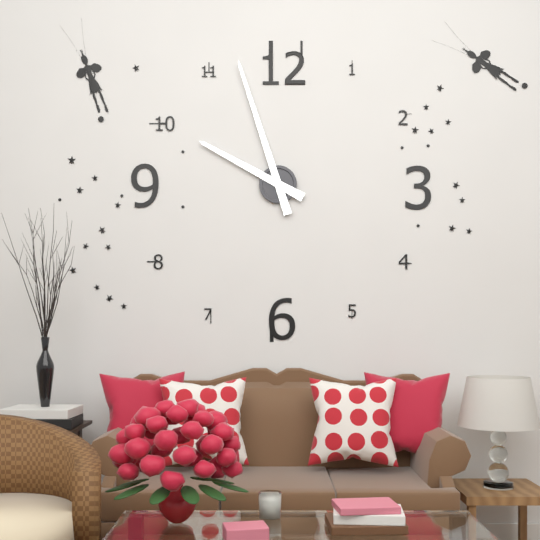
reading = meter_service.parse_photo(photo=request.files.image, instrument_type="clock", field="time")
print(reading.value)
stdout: 9:57
